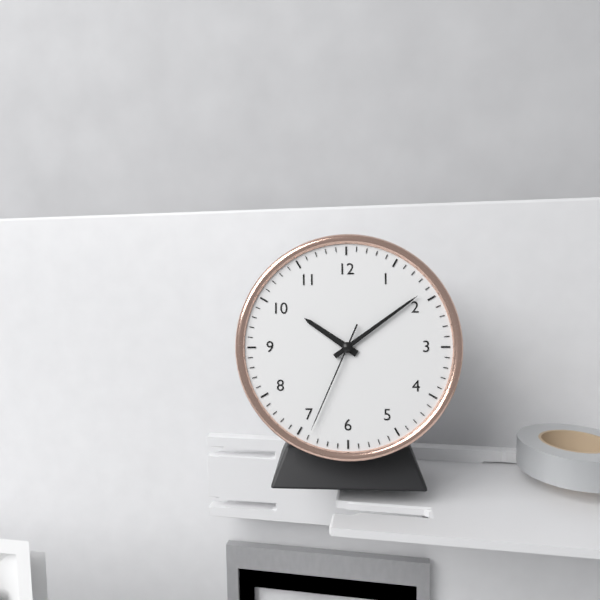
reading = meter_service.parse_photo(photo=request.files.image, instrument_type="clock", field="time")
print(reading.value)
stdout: 10:09:34
